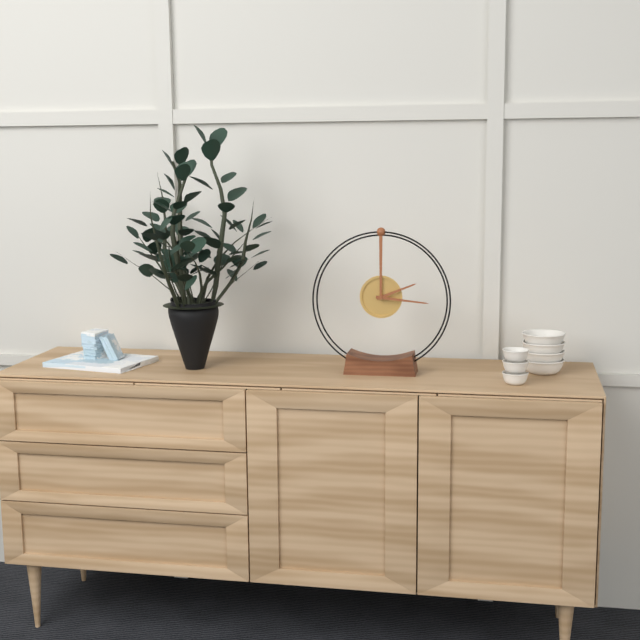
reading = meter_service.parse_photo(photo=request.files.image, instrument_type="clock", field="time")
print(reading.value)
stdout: 2:16
